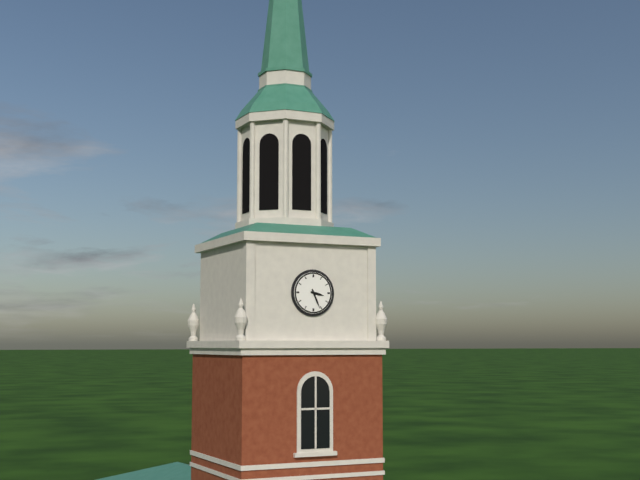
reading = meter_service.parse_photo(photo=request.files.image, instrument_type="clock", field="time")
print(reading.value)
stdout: 3:26
